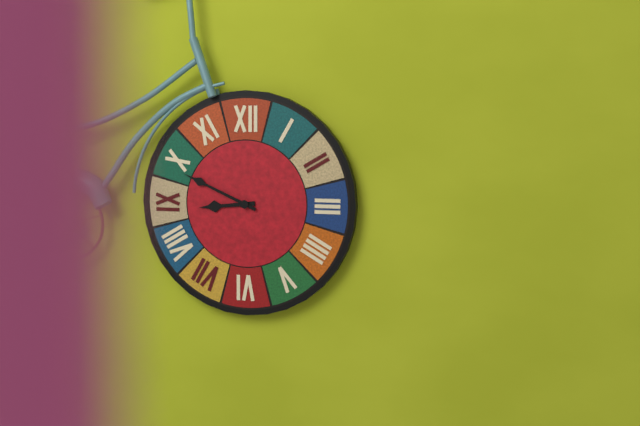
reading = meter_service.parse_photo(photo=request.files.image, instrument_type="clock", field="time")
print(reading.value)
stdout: 8:49
